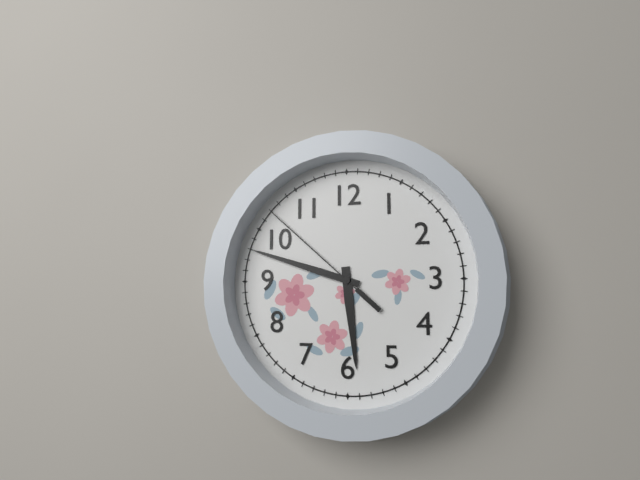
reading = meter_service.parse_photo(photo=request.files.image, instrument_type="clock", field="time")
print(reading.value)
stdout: 5:48:52
